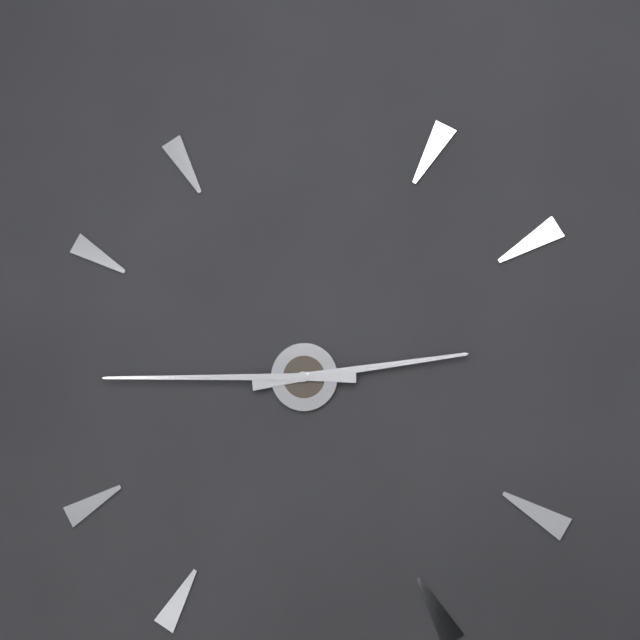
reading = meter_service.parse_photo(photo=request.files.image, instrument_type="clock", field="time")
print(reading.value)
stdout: 2:45
